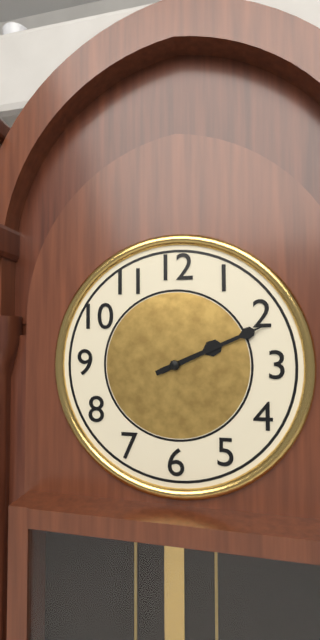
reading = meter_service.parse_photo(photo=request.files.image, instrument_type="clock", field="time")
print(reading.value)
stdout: 2:11
